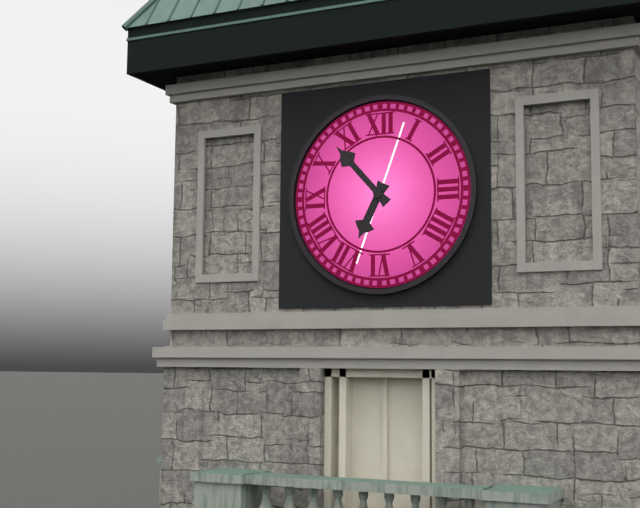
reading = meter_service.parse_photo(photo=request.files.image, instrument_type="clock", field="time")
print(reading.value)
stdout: 6:53
